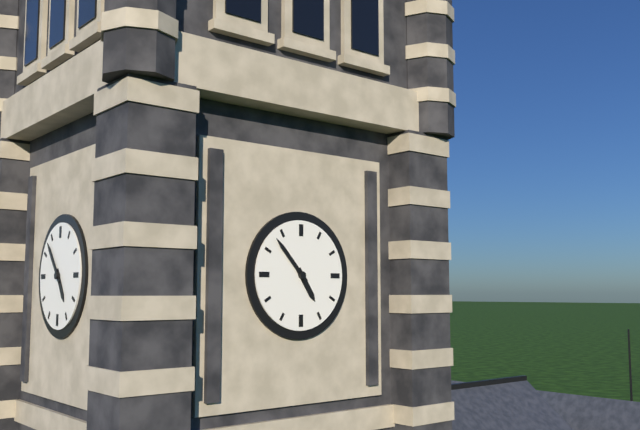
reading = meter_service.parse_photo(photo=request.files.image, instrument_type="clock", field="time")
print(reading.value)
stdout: 4:53
